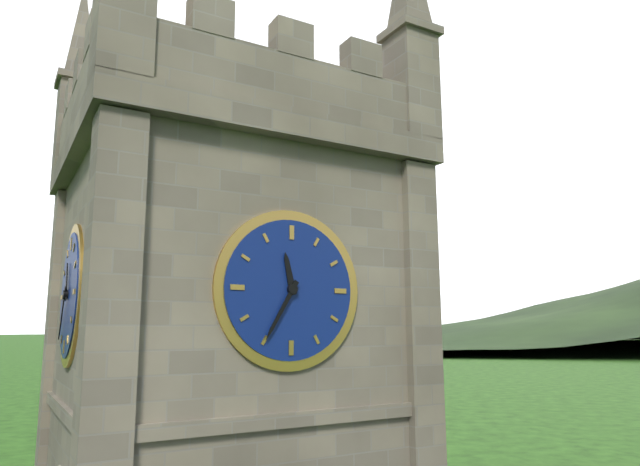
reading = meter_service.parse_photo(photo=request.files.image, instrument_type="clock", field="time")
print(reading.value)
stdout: 11:35
